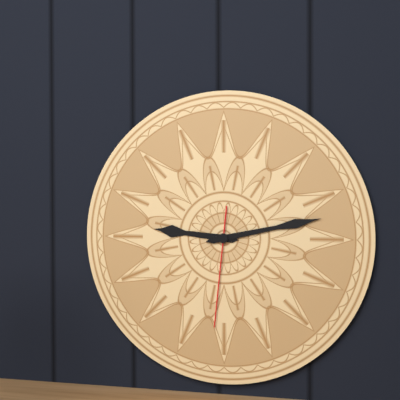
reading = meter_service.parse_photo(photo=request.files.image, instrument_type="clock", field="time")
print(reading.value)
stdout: 9:13:31
